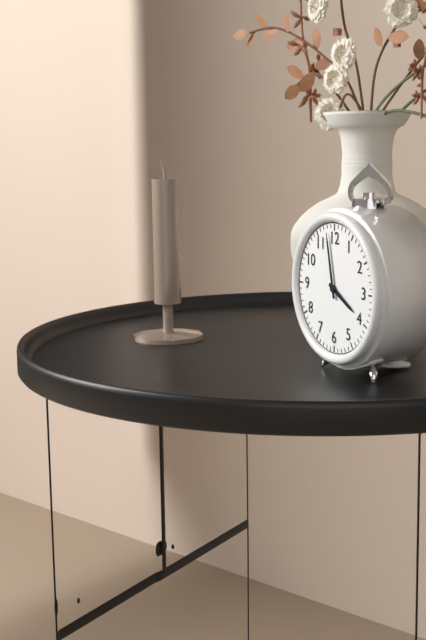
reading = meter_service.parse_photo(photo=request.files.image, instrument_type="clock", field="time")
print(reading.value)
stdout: 3:58
